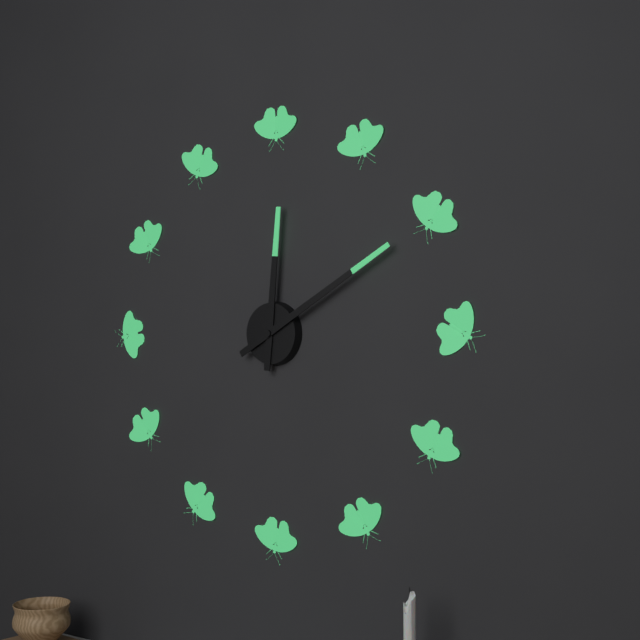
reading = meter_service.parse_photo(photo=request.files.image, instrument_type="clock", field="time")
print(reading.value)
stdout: 12:10
